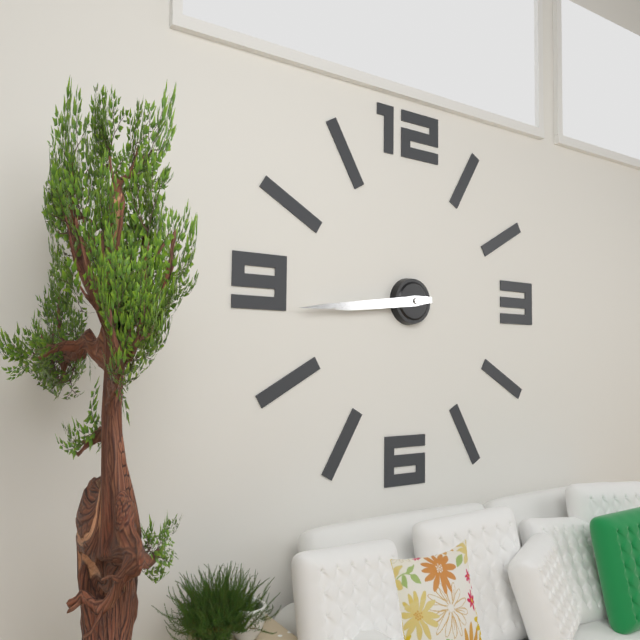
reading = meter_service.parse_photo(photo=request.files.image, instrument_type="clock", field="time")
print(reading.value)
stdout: 8:44
